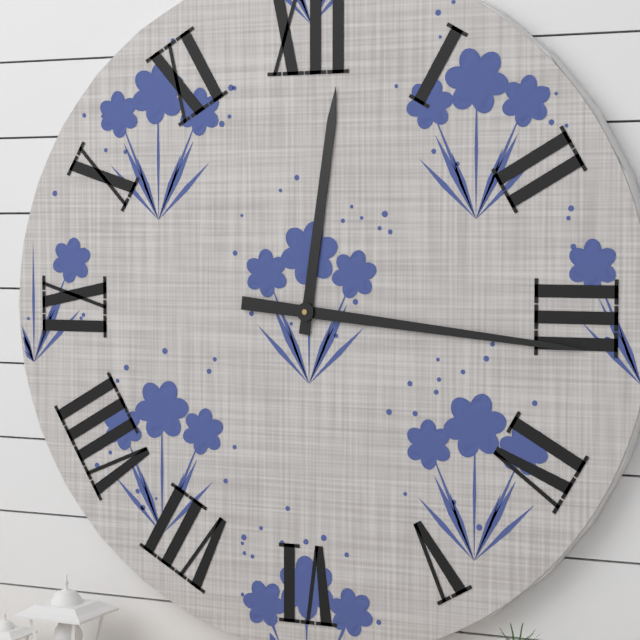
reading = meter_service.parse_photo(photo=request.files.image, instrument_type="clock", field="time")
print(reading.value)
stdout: 12:16
